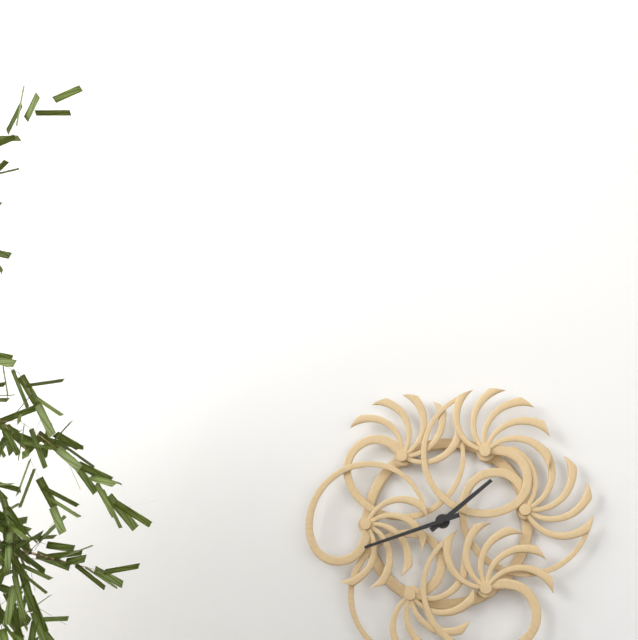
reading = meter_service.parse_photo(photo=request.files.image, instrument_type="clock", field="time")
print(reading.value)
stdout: 1:42
